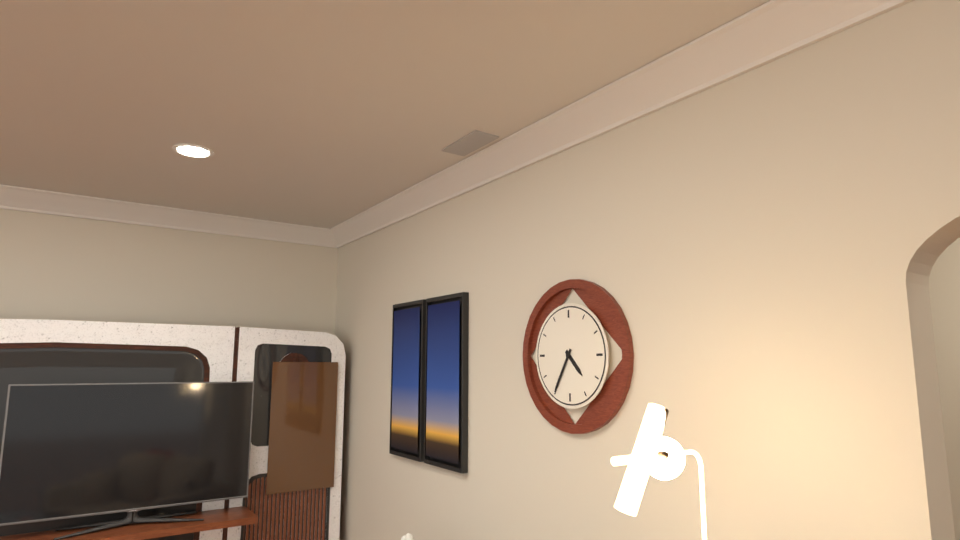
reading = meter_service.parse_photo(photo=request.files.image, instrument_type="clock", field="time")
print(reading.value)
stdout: 4:35
